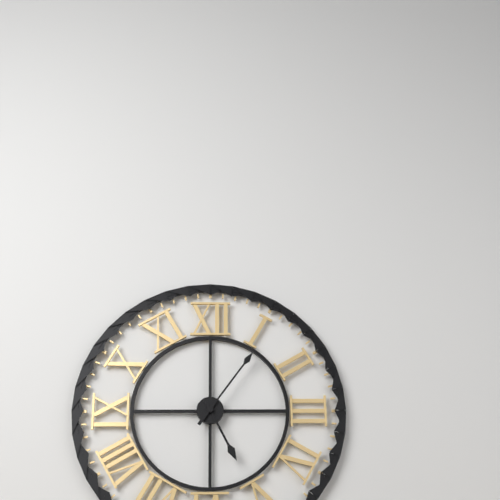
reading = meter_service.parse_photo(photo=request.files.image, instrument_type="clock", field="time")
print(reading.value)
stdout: 5:06
